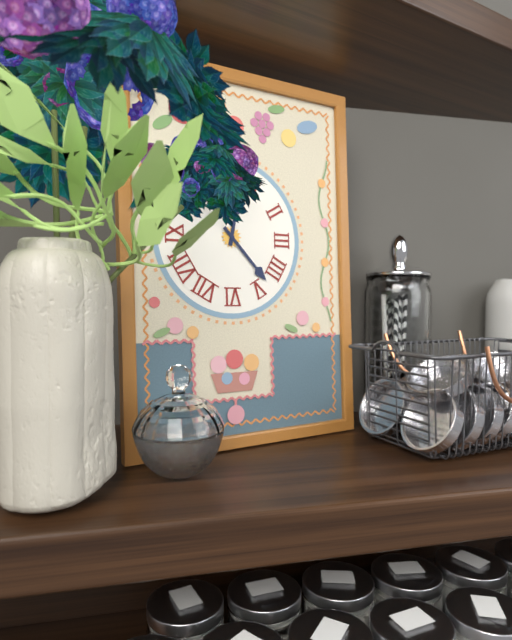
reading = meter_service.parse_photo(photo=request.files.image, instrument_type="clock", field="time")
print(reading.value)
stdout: 12:23
